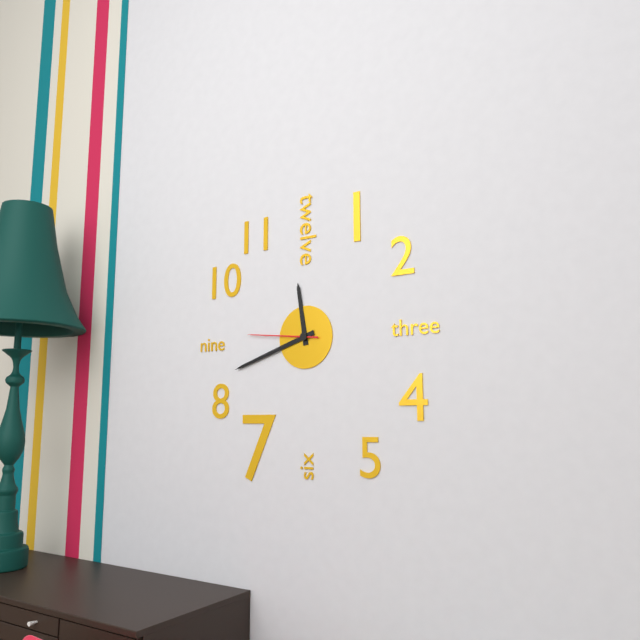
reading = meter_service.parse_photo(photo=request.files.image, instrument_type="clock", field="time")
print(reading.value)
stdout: 11:42:46
